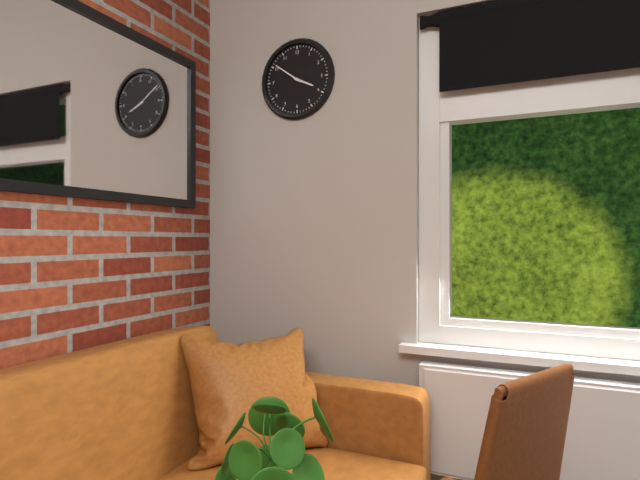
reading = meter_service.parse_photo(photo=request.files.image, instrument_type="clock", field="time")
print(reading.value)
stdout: 3:51
